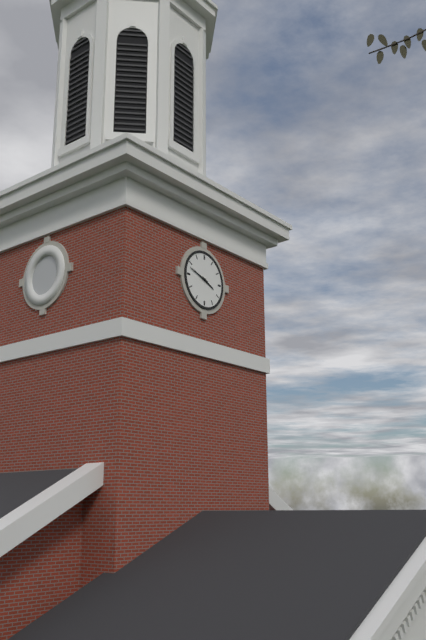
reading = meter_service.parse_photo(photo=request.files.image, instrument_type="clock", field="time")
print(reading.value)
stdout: 3:48
